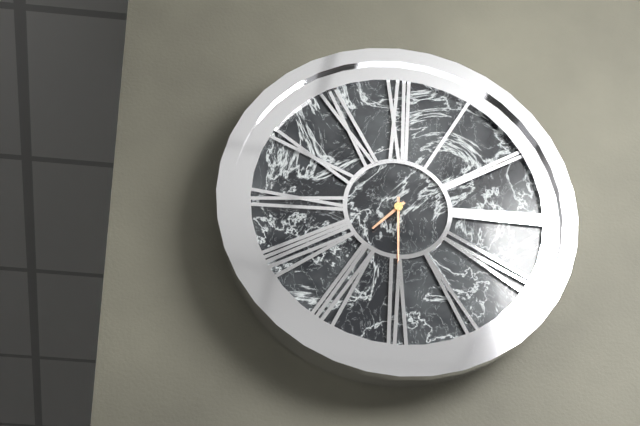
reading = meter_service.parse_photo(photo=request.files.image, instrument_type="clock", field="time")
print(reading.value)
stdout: 7:30
